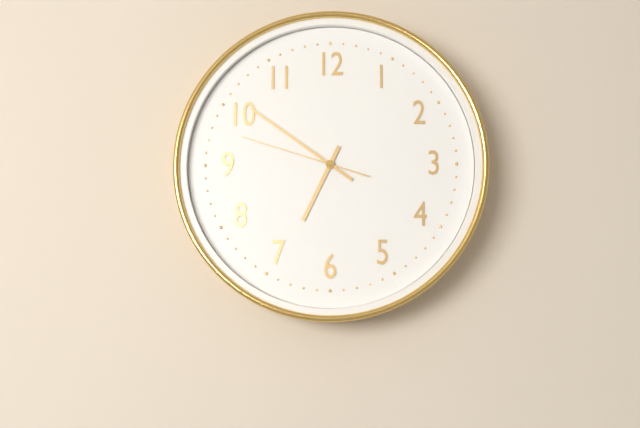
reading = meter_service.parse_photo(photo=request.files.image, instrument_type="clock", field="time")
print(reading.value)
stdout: 6:51:48
